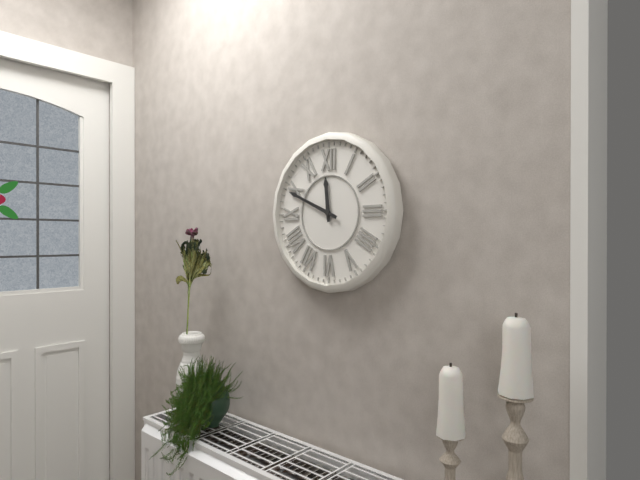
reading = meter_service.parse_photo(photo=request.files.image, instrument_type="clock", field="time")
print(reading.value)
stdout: 11:49
